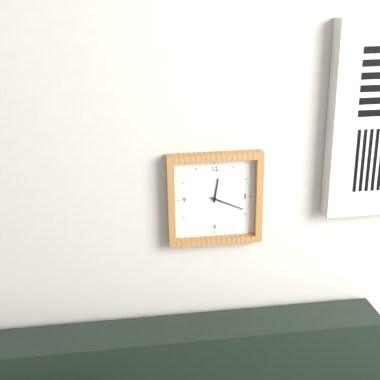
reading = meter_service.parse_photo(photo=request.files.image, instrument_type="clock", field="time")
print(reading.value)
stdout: 12:19
